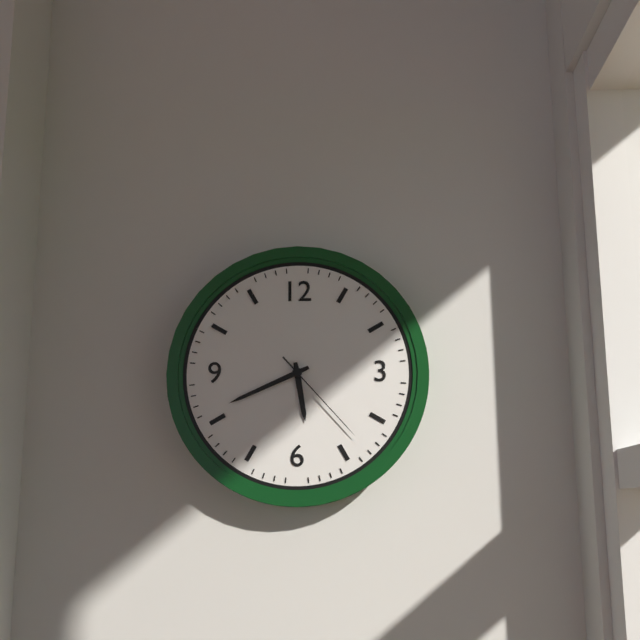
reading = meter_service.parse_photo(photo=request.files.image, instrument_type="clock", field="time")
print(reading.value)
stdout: 5:41:23
